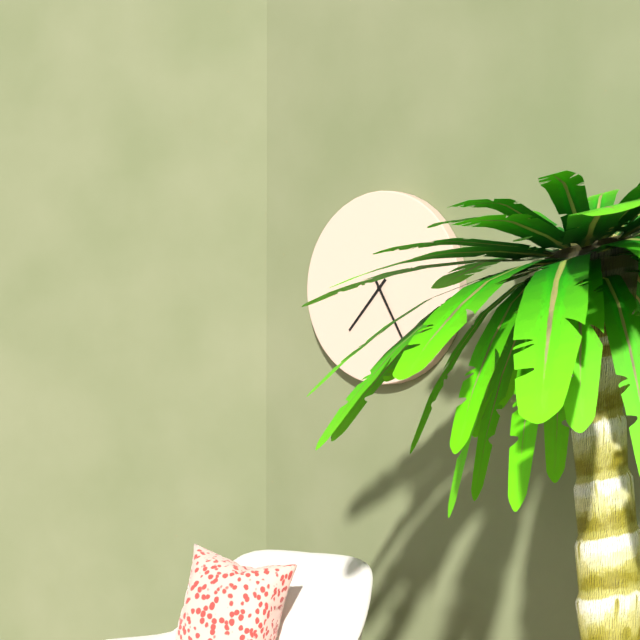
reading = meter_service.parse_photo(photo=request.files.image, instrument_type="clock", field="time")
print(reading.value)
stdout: 7:25
